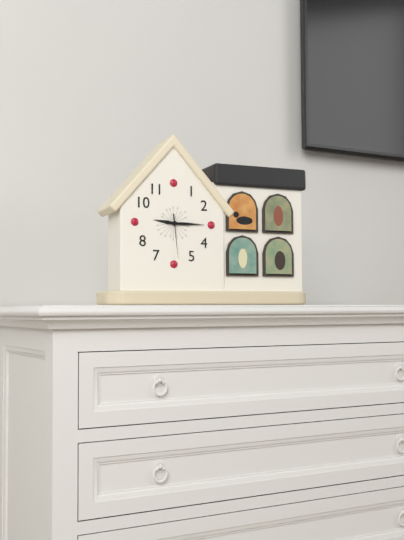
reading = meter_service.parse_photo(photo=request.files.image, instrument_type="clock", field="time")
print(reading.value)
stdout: 9:15
